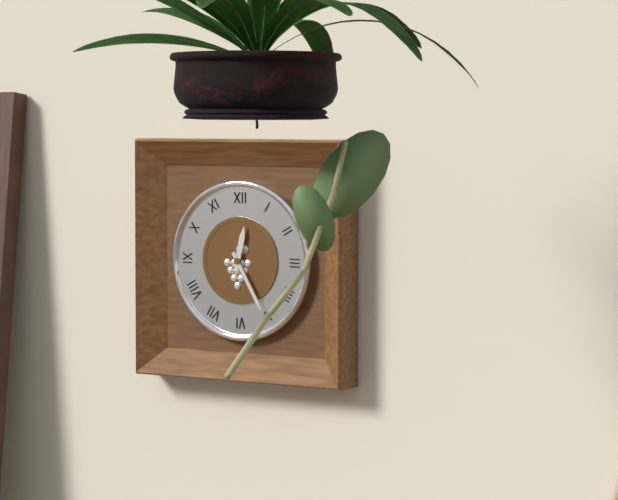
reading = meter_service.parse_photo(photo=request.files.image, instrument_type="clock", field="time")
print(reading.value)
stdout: 12:25
